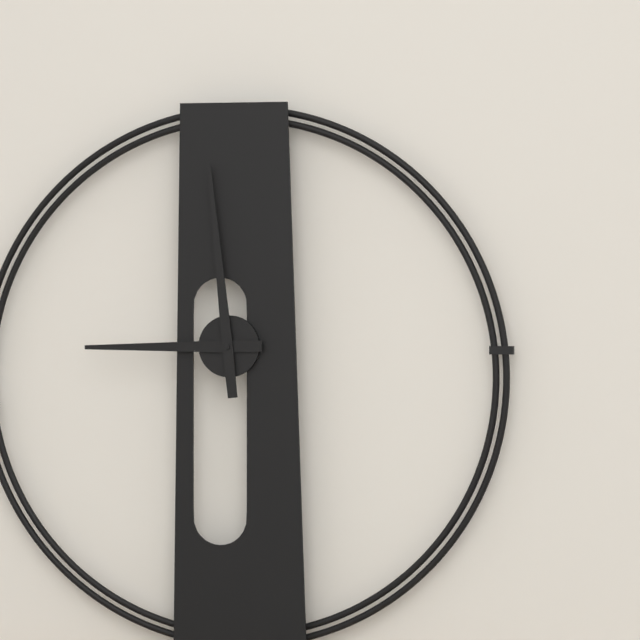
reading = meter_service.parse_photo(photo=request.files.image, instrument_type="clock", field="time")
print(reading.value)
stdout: 8:59
